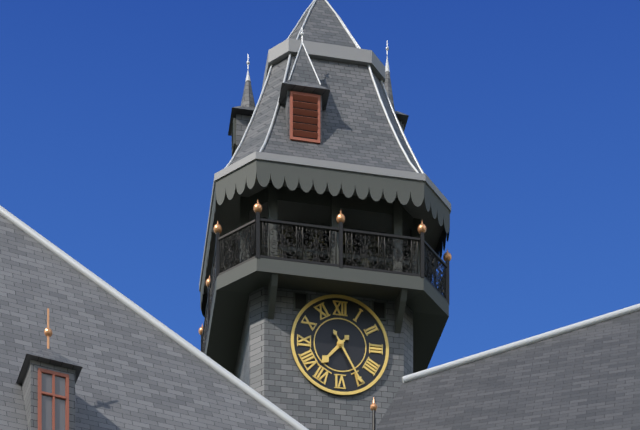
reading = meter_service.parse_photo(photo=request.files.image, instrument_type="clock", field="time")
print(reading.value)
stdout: 7:25
